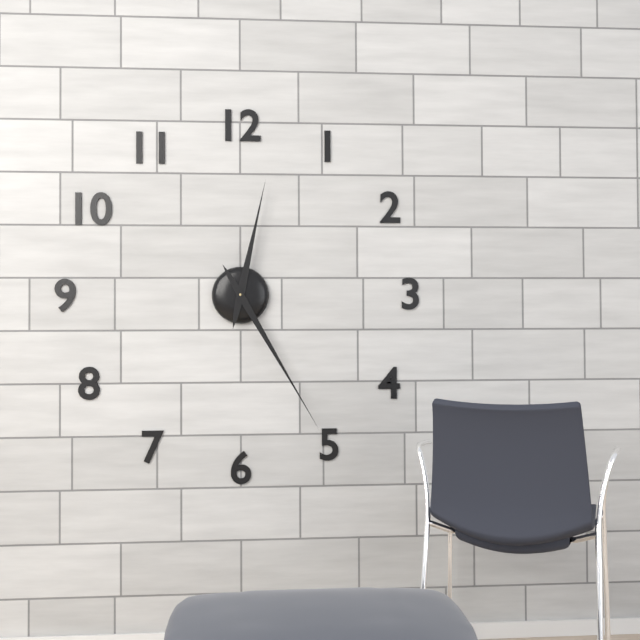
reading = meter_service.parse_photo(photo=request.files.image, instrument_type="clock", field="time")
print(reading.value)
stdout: 12:25
